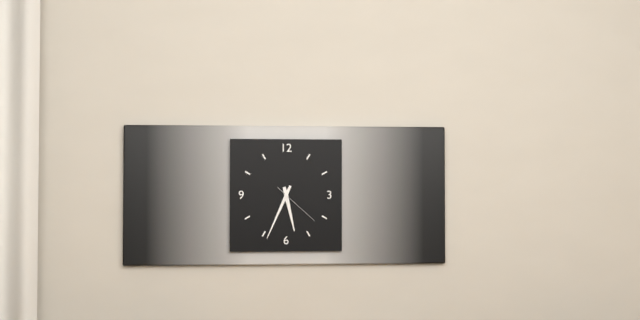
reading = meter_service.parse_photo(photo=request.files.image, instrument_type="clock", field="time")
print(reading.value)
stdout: 5:34
